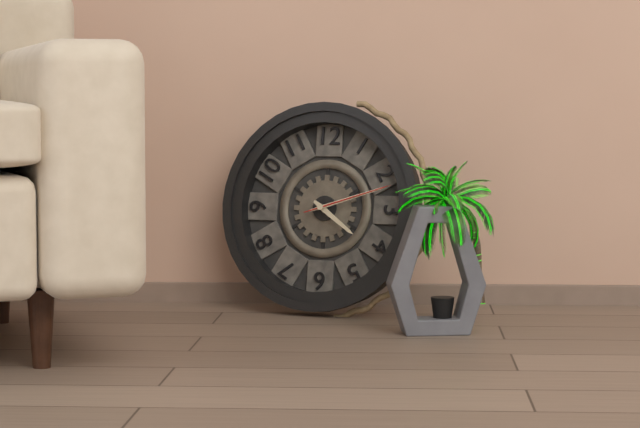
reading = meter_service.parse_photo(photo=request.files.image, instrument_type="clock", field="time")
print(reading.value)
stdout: 4:12:12
